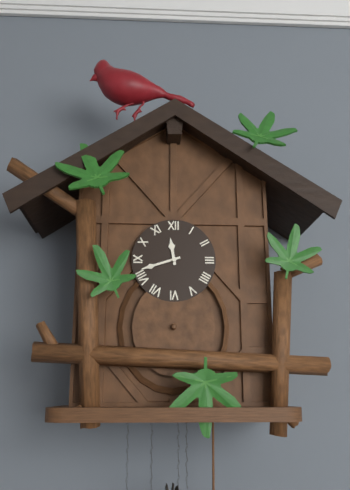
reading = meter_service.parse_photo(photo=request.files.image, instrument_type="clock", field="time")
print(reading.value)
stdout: 11:42
